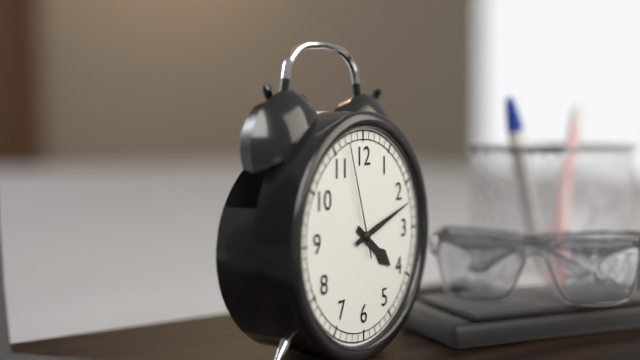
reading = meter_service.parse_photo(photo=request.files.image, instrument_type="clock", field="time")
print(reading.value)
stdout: 4:12:57
